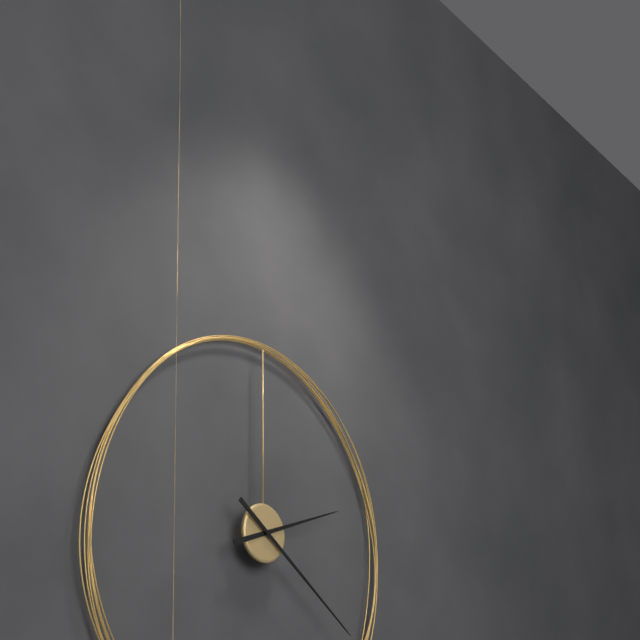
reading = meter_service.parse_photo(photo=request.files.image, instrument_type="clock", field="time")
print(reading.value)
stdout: 2:21
